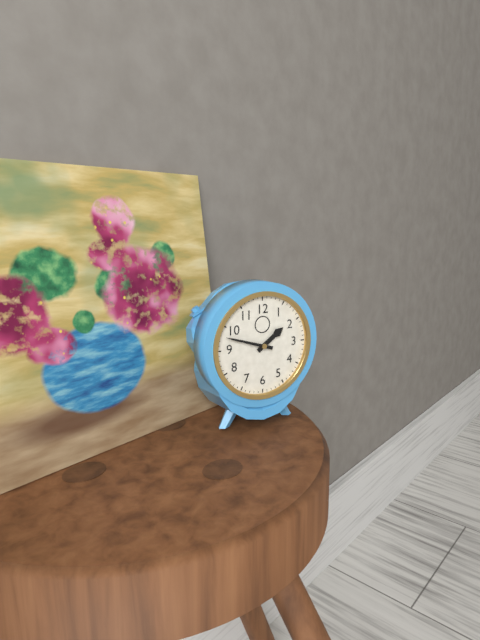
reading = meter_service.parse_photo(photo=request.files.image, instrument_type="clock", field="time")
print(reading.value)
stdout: 1:48
